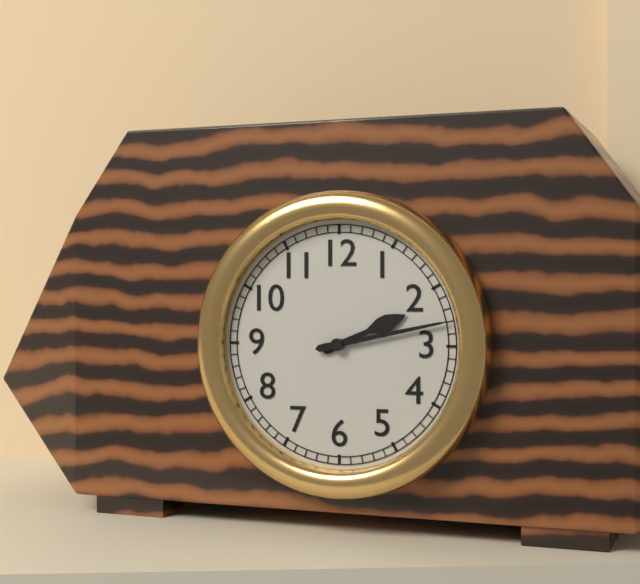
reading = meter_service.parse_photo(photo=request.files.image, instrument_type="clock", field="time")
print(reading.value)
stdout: 2:13
